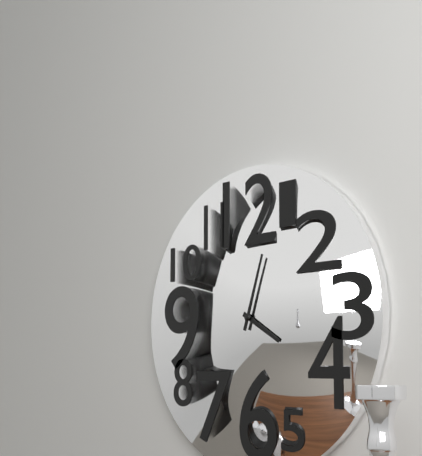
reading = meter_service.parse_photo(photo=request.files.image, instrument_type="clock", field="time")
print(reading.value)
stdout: 4:03
